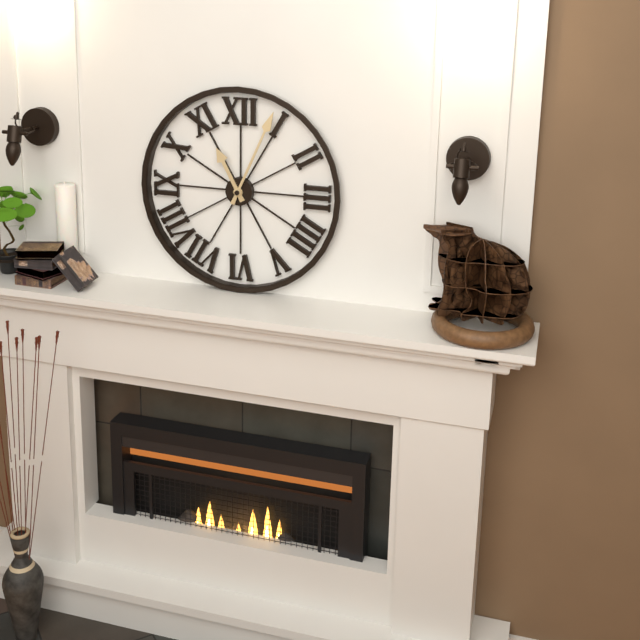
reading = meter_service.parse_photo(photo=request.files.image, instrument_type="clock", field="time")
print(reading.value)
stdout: 11:04
